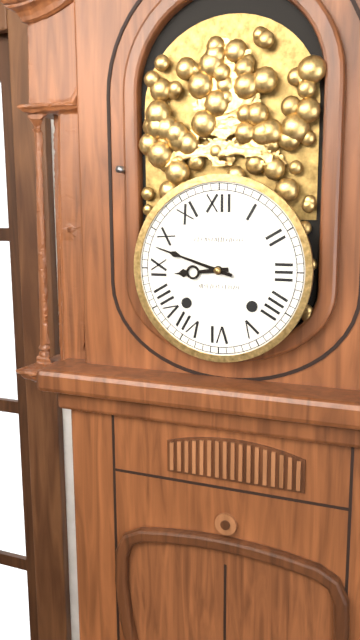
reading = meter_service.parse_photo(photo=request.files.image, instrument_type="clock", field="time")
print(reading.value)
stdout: 8:48
